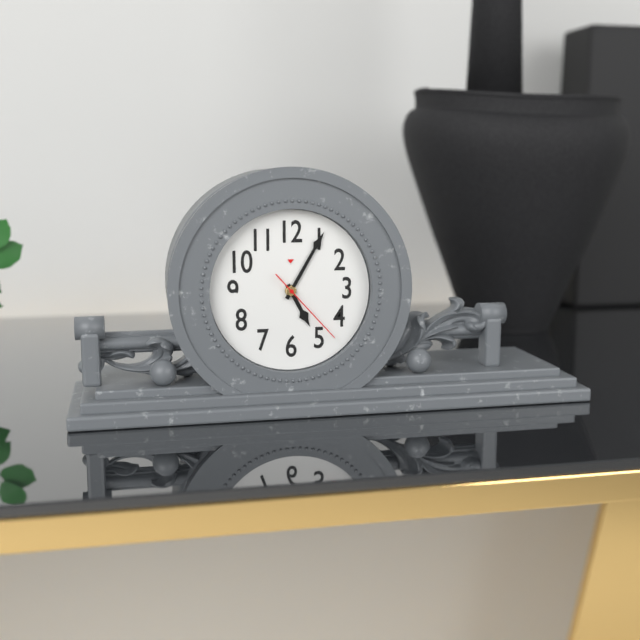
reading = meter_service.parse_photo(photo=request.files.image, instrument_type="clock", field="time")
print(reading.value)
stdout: 5:05:23
